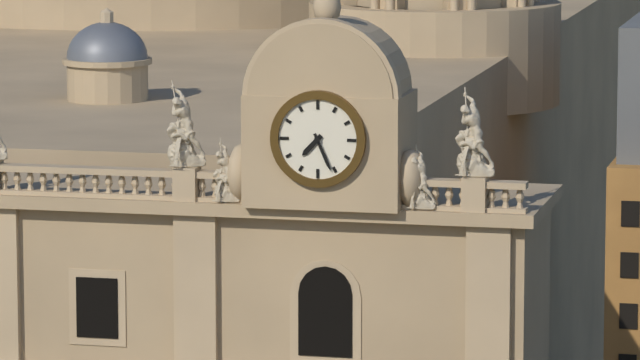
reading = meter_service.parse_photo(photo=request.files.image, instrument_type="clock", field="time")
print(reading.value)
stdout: 7:26
